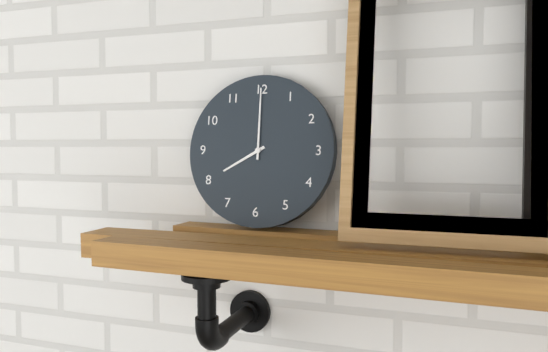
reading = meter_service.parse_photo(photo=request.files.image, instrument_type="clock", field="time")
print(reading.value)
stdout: 8:00
